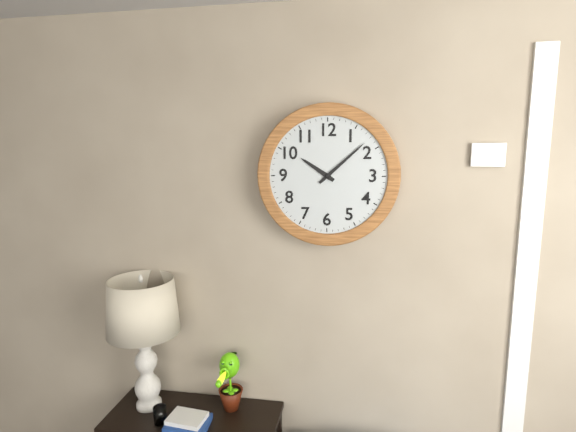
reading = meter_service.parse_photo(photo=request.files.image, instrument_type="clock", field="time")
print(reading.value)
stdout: 10:08
